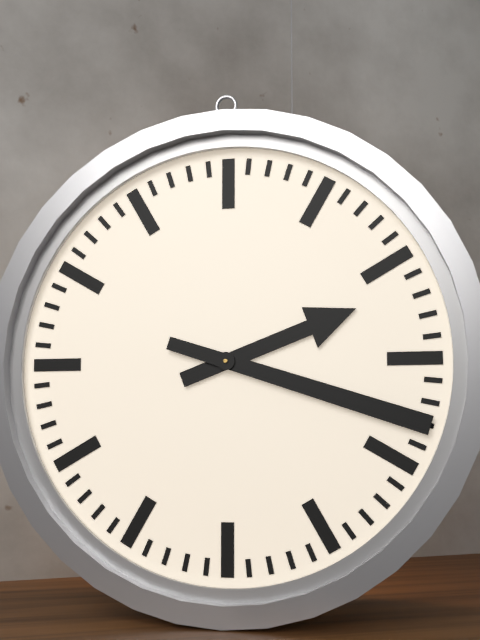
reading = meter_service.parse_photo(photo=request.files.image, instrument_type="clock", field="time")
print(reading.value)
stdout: 2:18
